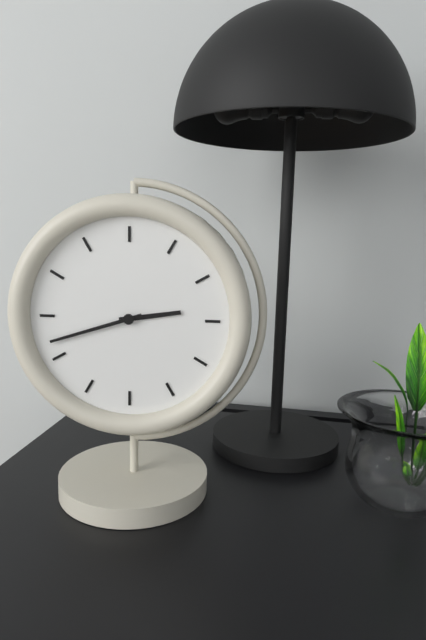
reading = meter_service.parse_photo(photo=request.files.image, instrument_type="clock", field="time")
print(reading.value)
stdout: 2:42
